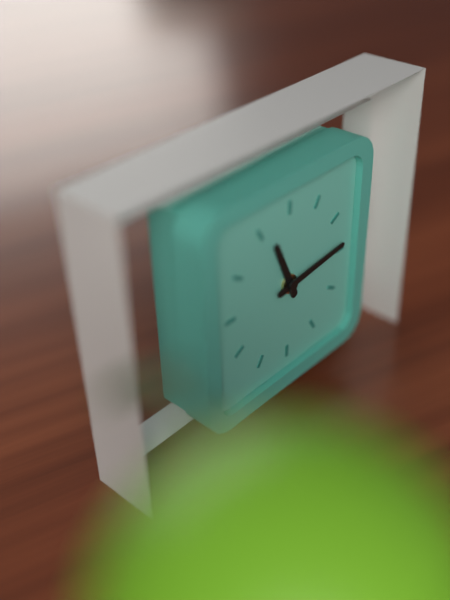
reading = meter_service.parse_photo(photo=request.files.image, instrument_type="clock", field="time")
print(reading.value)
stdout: 11:14
